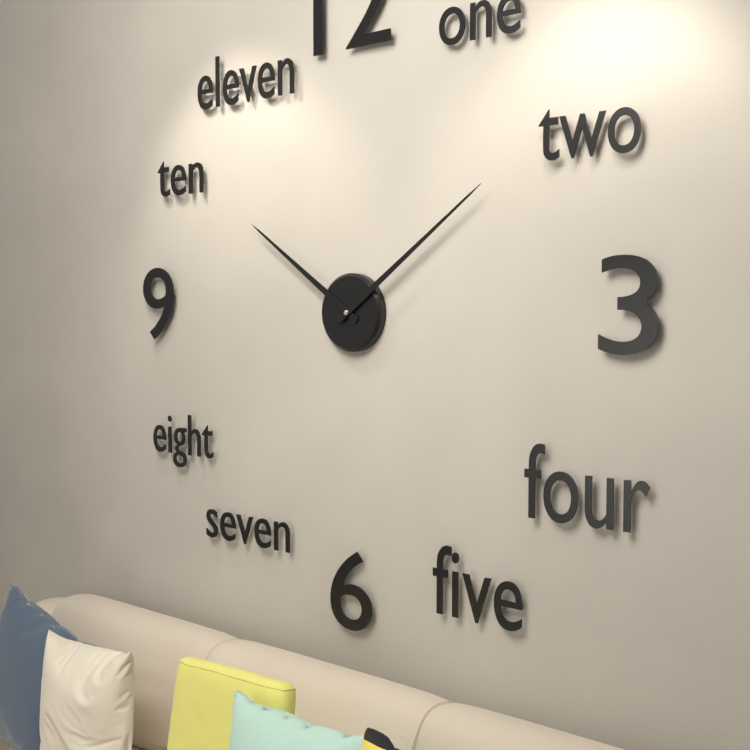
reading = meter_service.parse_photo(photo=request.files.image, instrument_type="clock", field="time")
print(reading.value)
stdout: 10:09
